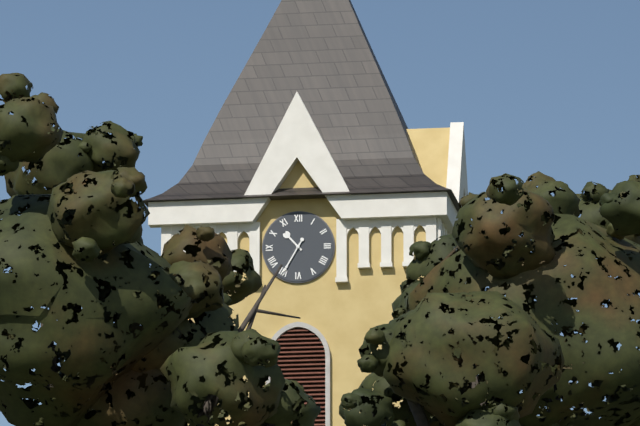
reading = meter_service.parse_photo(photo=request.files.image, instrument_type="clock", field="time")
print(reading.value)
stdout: 10:35
